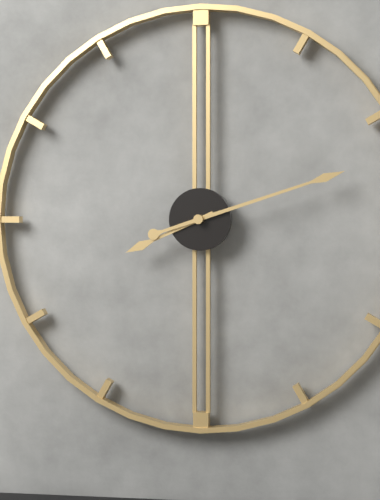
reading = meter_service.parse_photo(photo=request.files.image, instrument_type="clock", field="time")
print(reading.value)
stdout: 8:12
